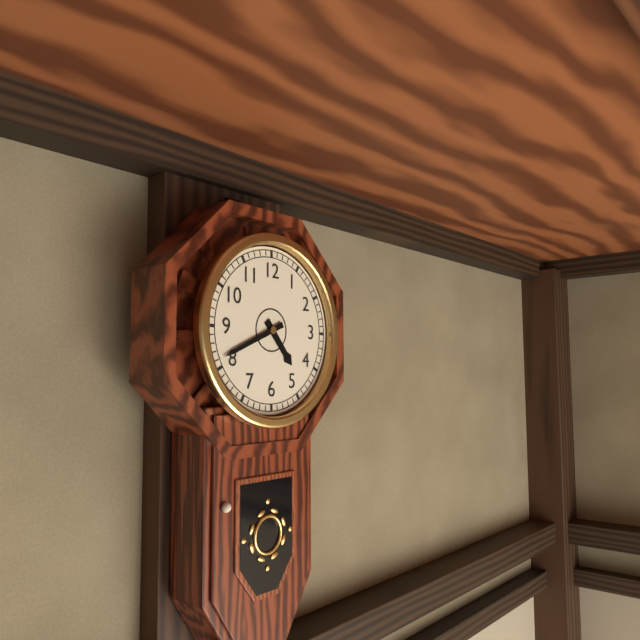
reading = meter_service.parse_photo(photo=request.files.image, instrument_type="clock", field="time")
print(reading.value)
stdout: 4:41
